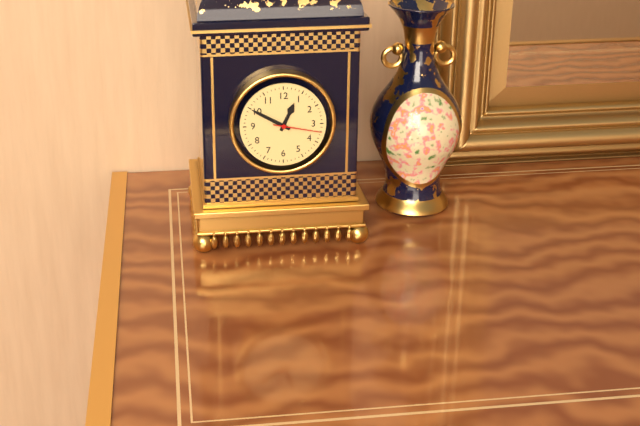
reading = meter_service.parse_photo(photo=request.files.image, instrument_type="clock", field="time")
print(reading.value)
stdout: 12:50
